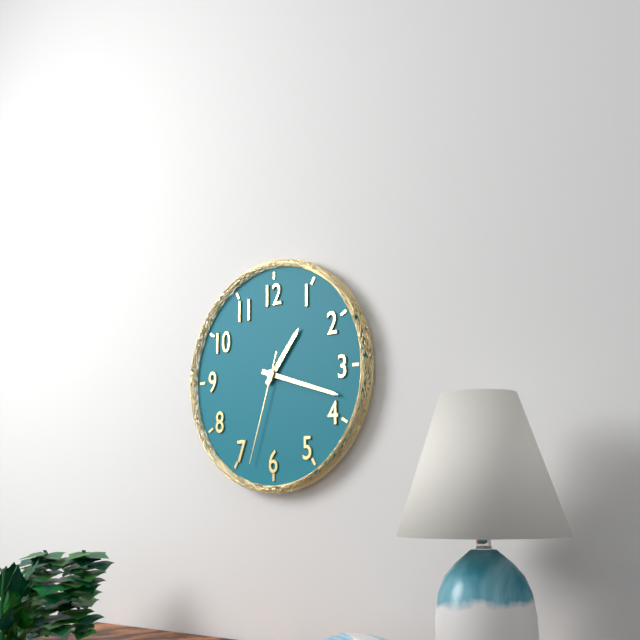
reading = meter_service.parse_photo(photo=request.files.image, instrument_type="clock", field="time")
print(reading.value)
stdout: 1:18:33
